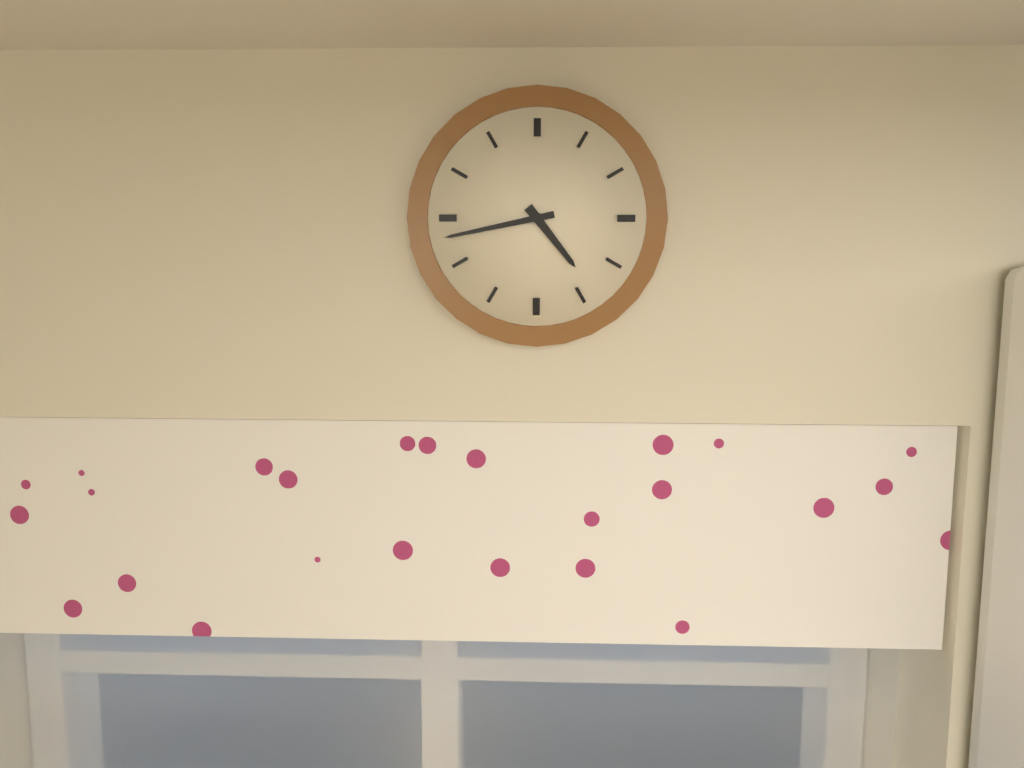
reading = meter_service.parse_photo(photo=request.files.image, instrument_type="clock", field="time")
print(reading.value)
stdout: 4:43
